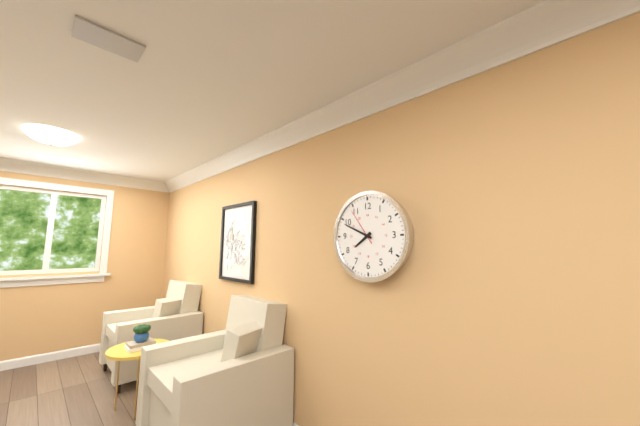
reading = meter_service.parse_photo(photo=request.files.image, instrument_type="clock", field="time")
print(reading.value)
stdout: 7:49
